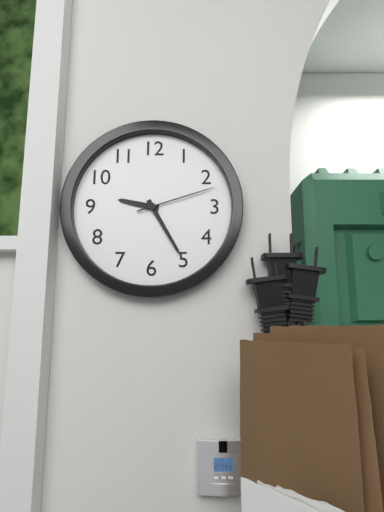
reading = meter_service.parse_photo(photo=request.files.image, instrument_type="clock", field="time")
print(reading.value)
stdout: 9:25:12
